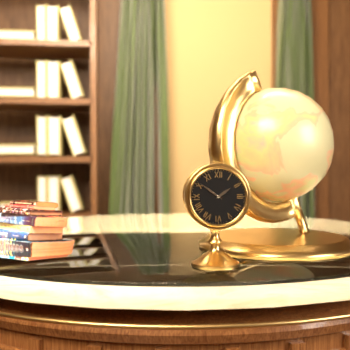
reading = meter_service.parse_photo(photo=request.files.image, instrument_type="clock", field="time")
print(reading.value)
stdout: 1:51
